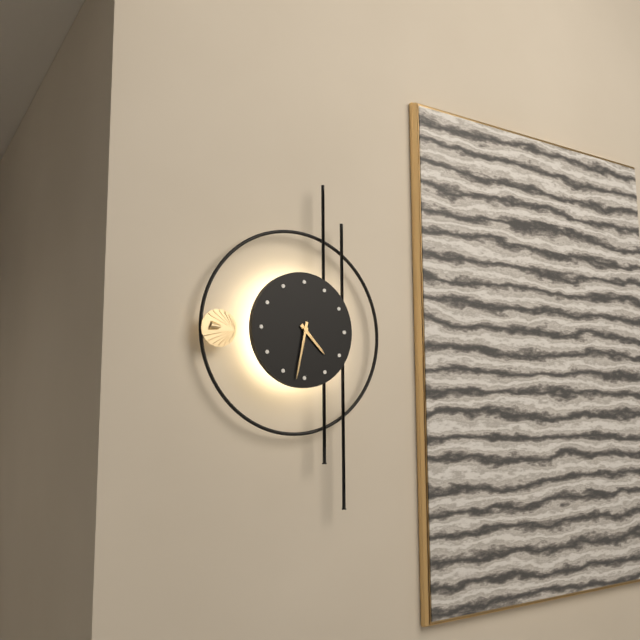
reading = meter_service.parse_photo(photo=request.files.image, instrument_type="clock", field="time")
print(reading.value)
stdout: 4:32
